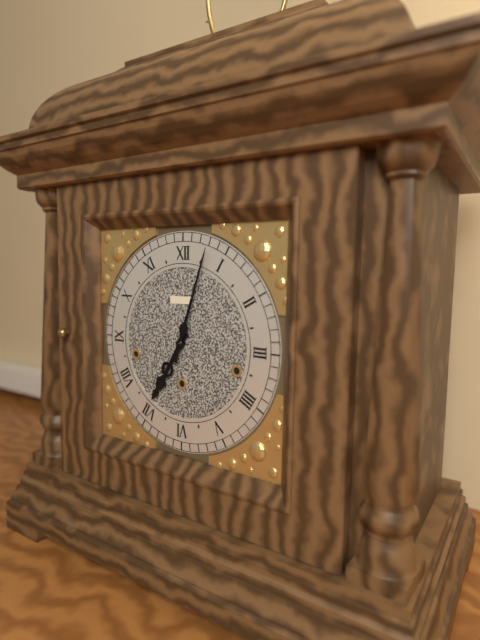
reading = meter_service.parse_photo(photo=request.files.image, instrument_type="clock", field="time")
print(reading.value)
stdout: 7:03
